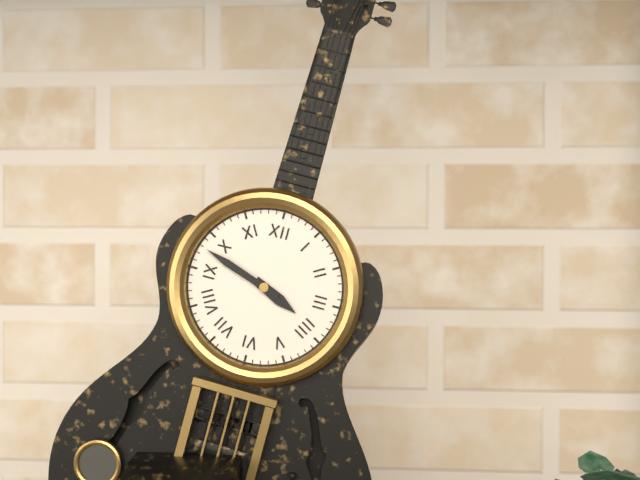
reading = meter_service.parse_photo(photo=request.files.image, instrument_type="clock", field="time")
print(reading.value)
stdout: 3:48
